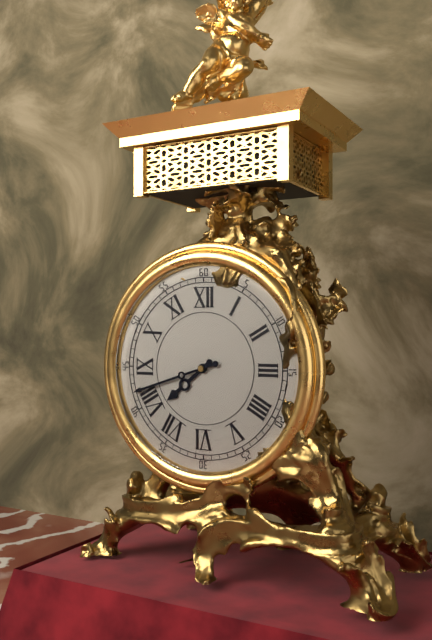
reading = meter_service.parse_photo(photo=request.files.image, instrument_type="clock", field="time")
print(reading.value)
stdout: 7:42
